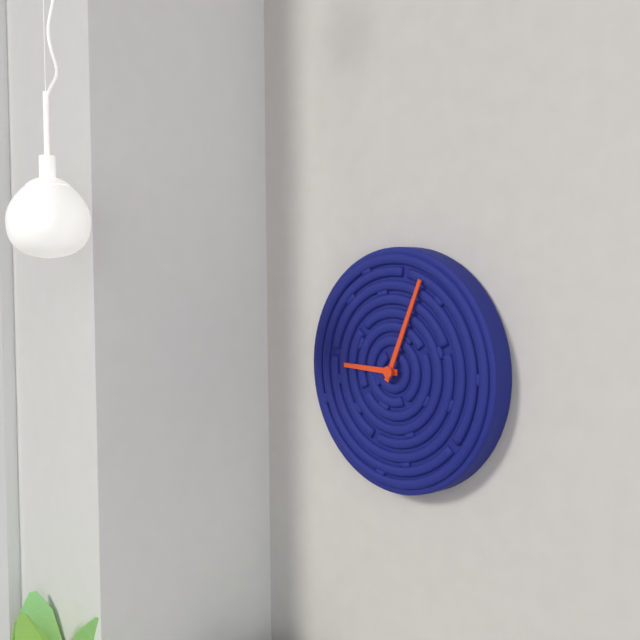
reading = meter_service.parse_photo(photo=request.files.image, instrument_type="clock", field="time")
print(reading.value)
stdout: 9:04
